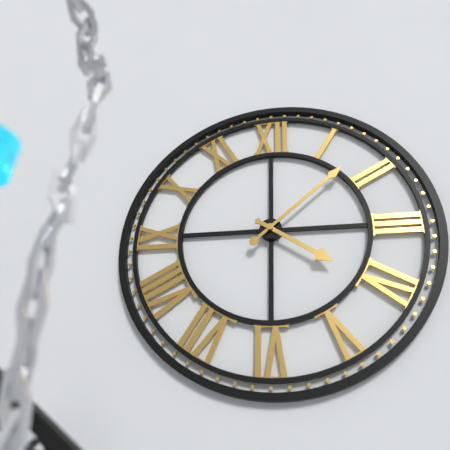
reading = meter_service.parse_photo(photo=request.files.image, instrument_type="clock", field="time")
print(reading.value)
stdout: 4:08
